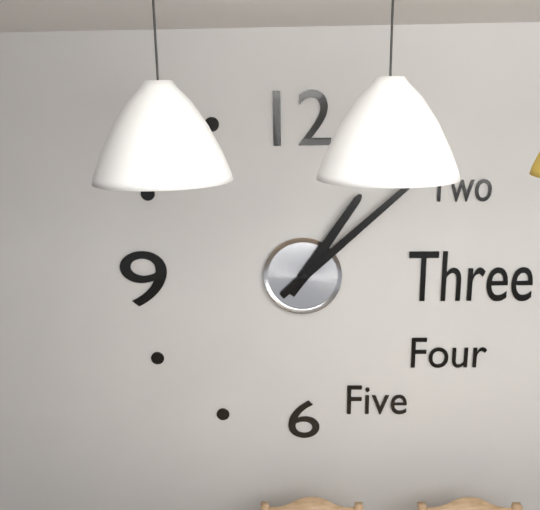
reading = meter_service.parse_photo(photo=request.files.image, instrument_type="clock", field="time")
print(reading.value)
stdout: 1:08
